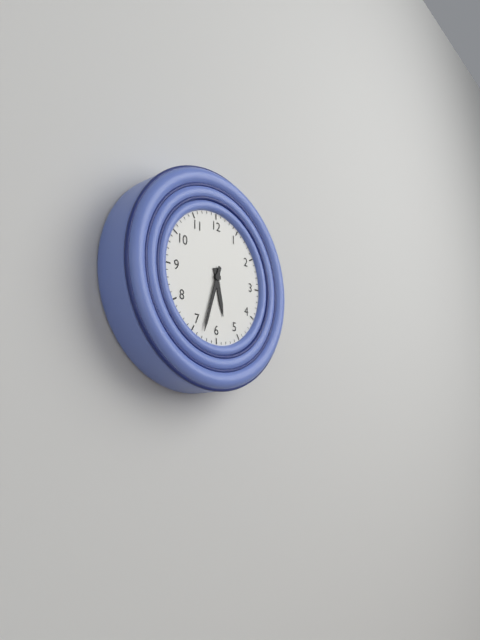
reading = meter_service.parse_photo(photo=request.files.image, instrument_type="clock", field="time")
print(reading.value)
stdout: 5:33
